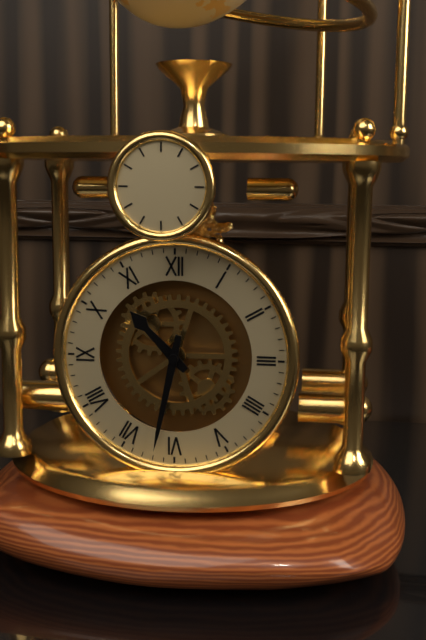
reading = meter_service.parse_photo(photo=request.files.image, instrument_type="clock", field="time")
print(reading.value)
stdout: 10:32
